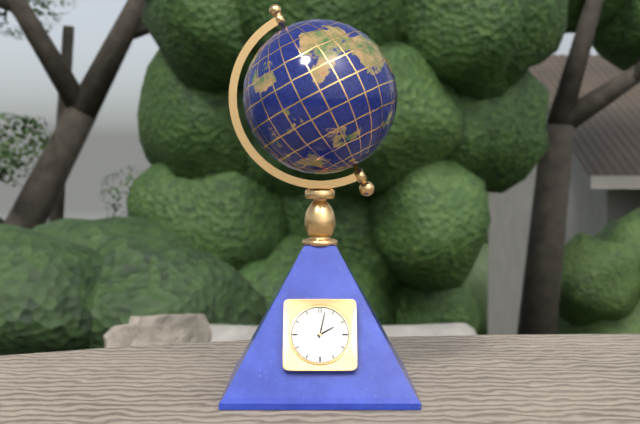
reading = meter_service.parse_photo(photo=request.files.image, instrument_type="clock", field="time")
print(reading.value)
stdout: 2:02
